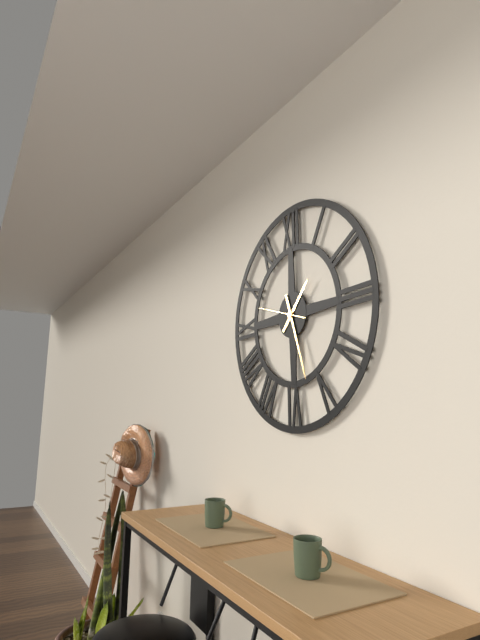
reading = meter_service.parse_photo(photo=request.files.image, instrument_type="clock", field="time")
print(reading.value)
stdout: 1:27
